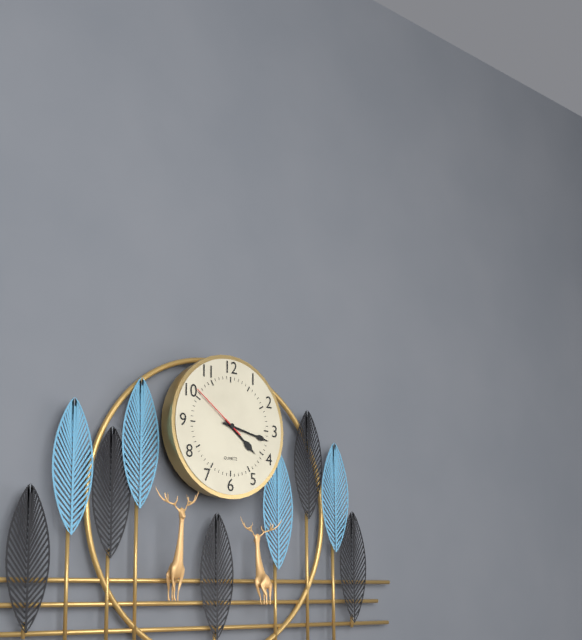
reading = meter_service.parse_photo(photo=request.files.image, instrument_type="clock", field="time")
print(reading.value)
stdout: 4:17:51
